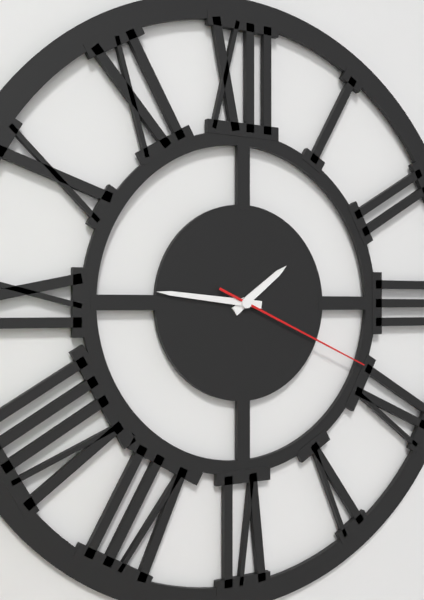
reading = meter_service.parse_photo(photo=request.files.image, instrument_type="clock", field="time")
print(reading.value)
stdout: 1:46:19
